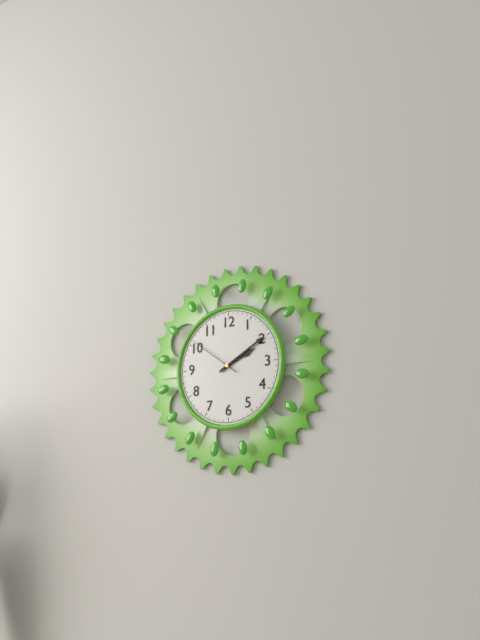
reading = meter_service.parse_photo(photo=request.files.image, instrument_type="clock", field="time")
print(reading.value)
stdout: 2:10:51
